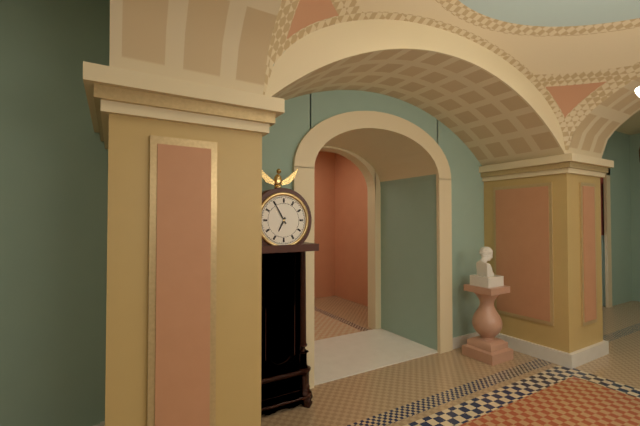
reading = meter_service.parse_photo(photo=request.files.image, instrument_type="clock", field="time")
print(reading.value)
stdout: 6:55
